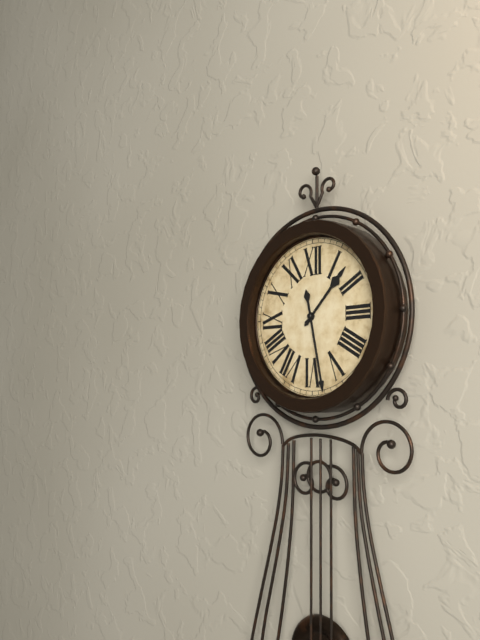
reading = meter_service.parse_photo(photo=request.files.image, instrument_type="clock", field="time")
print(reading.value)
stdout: 1:28
